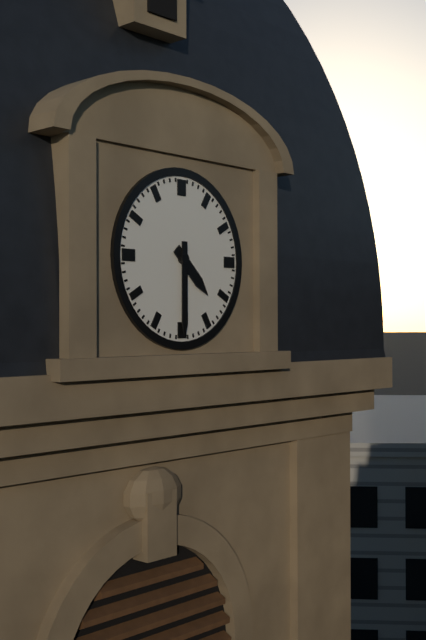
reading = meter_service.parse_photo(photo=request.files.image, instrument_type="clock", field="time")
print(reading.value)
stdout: 4:30
